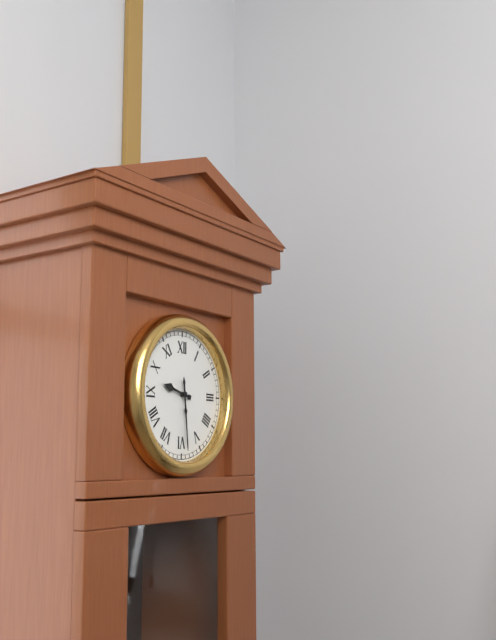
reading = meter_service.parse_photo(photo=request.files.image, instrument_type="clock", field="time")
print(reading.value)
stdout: 9:29
